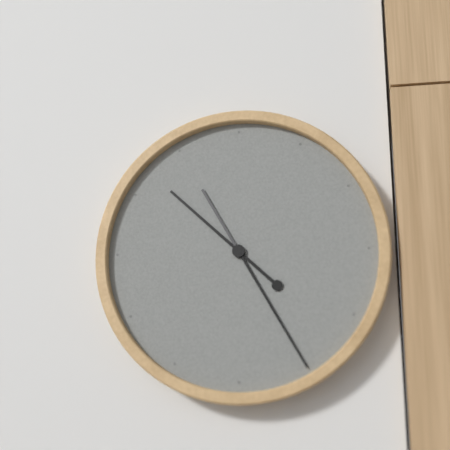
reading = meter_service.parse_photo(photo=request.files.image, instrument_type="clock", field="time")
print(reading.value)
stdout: 10:25
